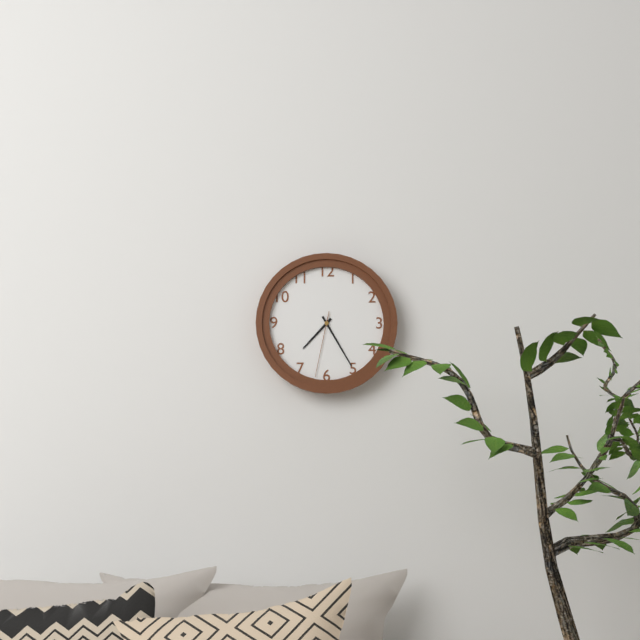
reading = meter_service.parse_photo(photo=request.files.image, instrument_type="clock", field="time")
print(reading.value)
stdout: 7:25:32
